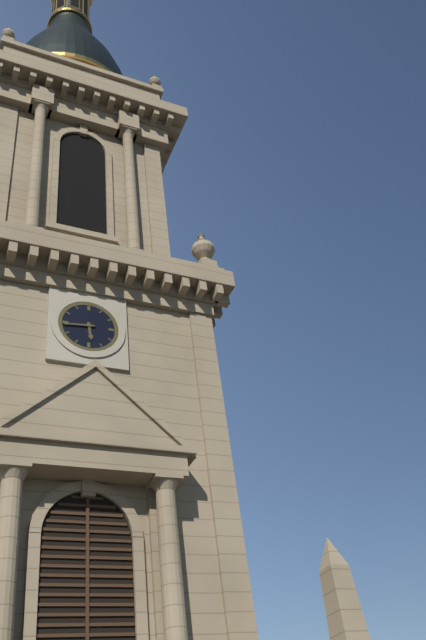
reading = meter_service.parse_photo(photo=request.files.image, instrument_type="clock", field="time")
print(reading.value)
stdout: 5:44
